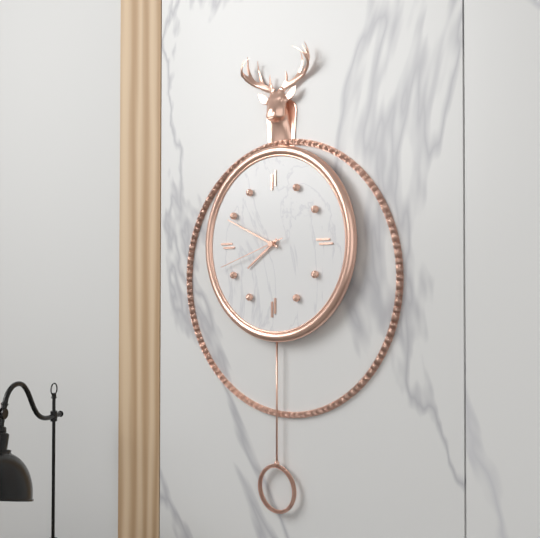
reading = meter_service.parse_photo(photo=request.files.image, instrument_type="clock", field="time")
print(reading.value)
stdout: 7:49:42
